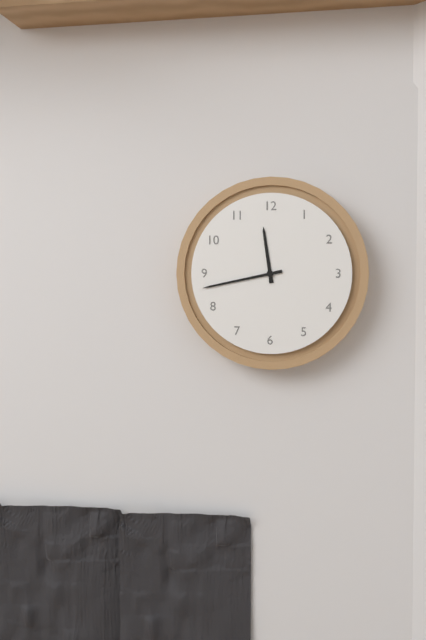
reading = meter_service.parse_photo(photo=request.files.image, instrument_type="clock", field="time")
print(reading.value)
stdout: 11:43
